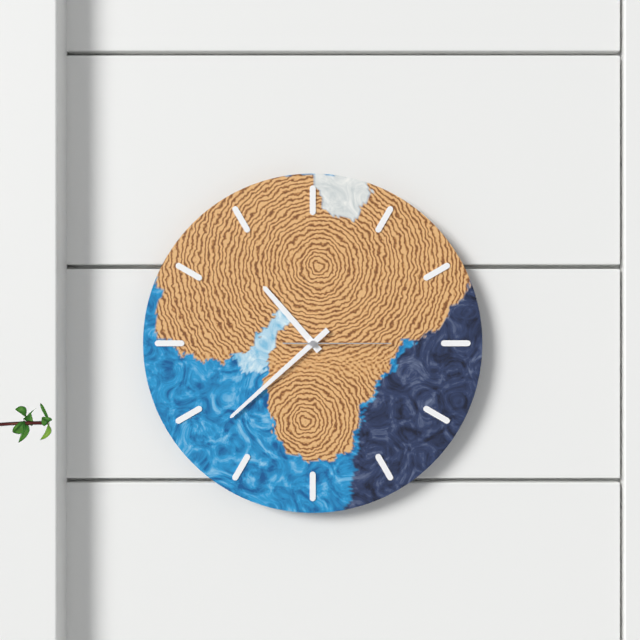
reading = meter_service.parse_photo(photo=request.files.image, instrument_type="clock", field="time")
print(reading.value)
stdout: 10:38:15
